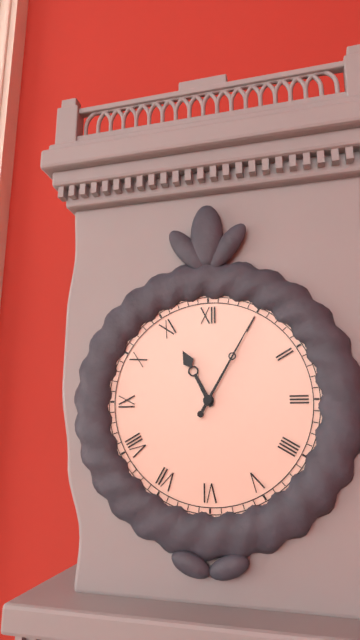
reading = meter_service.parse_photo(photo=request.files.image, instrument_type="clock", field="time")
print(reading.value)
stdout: 11:05
